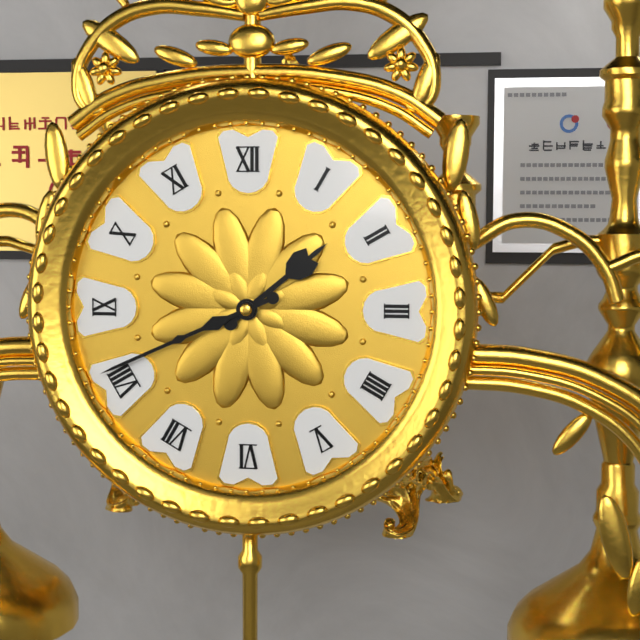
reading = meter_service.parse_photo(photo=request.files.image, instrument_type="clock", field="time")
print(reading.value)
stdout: 1:41
